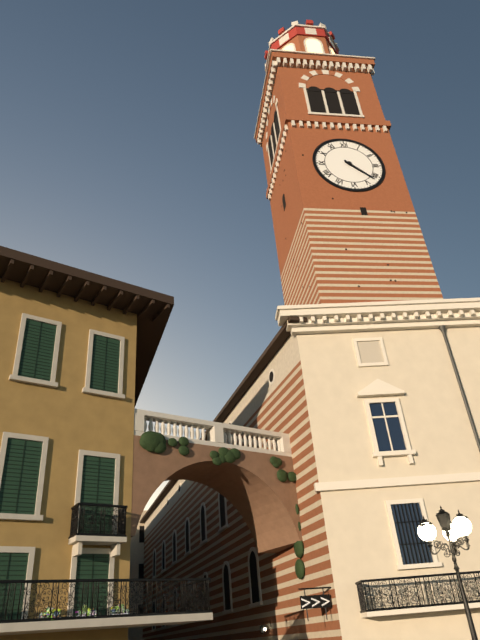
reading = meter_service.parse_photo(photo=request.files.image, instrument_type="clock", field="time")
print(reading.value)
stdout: 4:22
